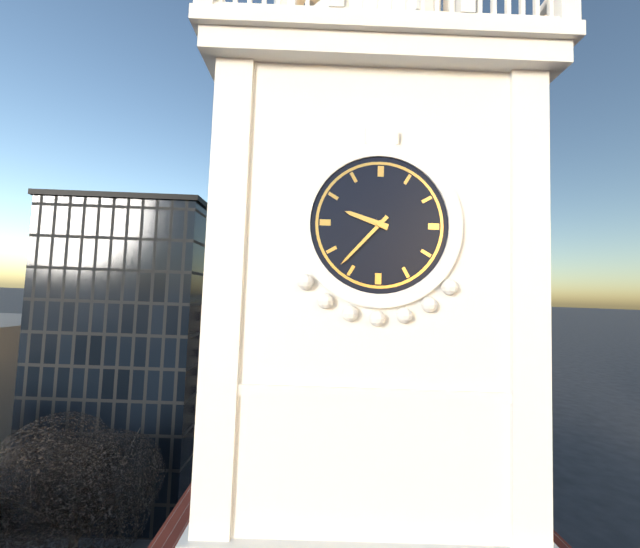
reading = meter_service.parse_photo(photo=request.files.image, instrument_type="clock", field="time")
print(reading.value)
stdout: 9:37
